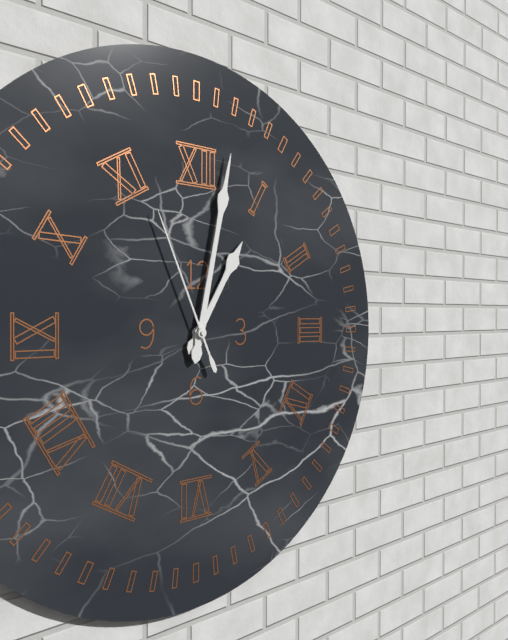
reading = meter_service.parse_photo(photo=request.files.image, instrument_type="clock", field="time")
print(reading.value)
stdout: 1:02:56
